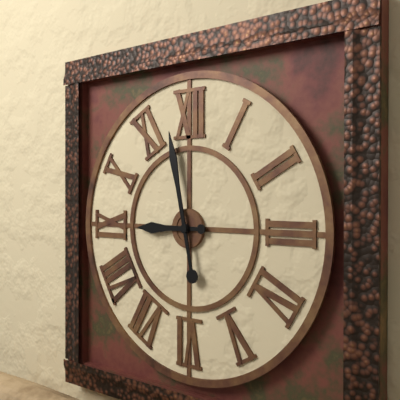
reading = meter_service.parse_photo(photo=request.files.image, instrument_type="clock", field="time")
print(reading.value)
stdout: 8:58
